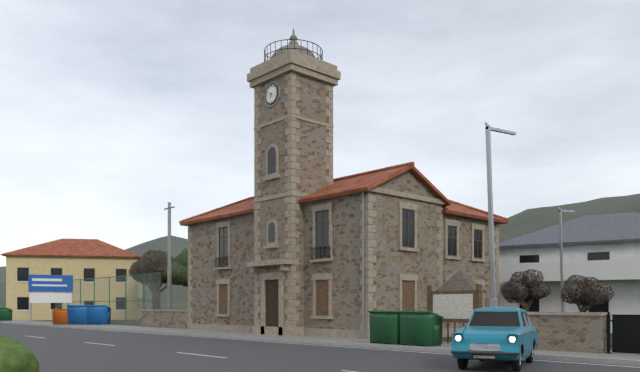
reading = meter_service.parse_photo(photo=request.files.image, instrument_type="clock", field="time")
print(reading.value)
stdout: 6:49
